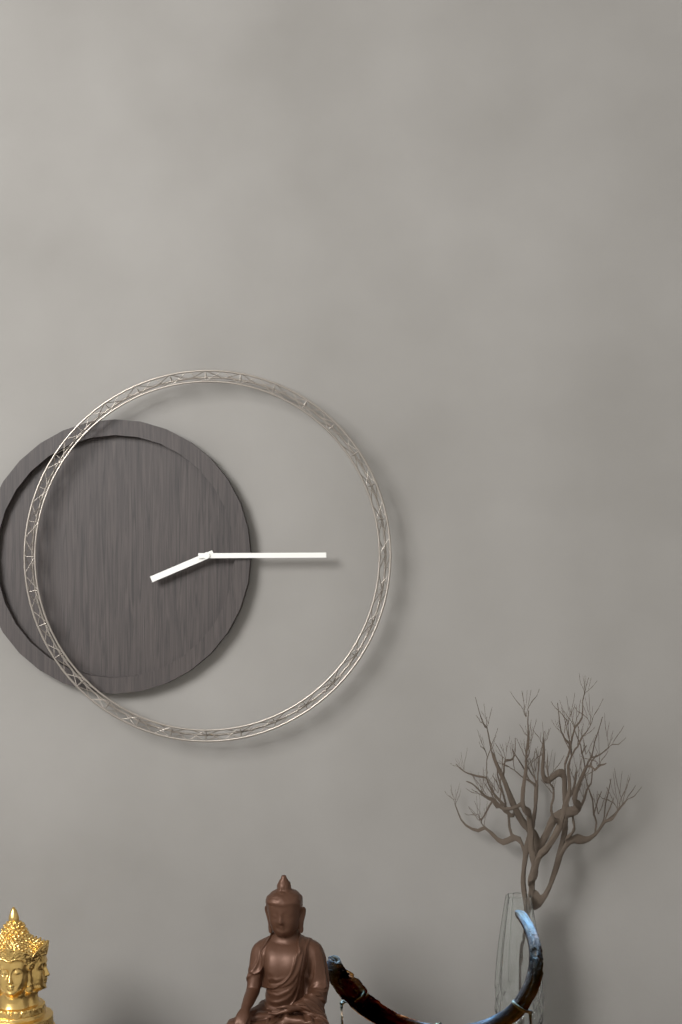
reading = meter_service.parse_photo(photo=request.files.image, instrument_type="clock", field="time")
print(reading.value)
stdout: 8:15
